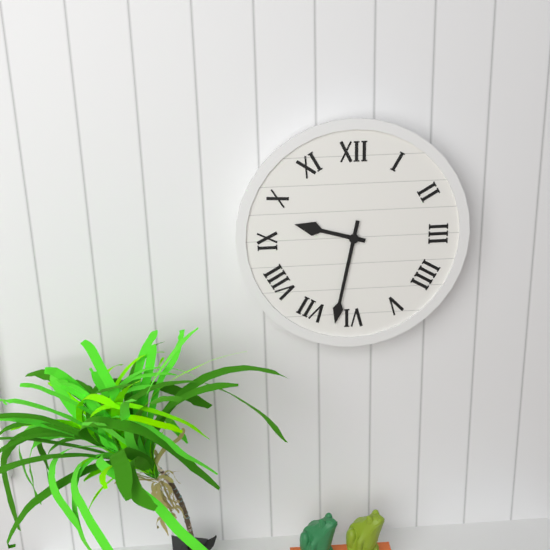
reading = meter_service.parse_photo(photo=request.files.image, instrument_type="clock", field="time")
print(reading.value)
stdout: 9:32
